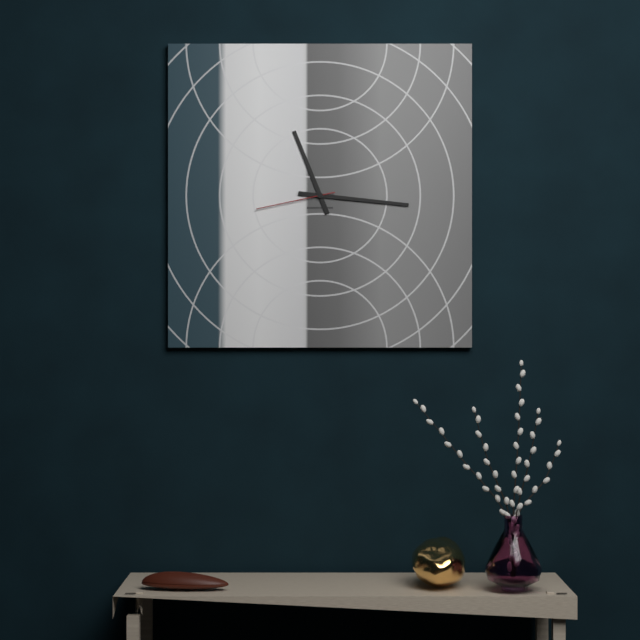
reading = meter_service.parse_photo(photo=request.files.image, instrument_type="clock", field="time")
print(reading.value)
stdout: 11:16:43
